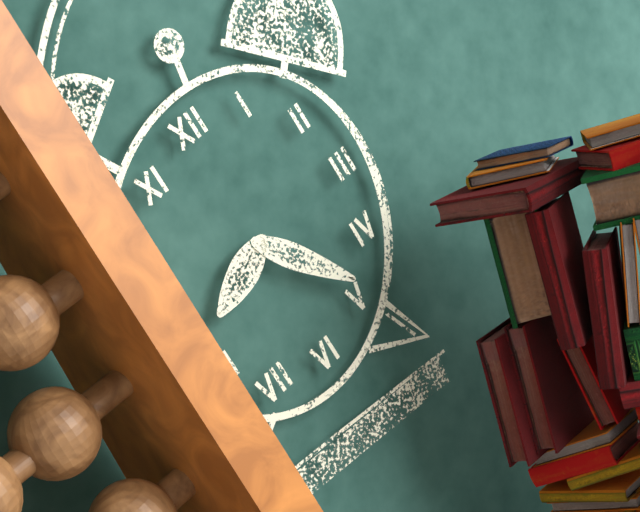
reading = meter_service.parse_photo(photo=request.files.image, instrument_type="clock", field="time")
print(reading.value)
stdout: 8:24
